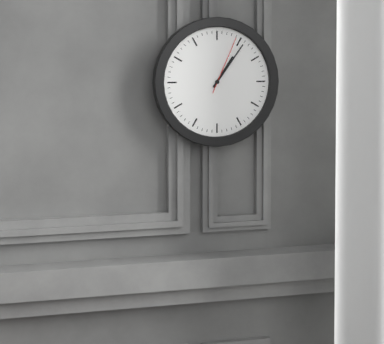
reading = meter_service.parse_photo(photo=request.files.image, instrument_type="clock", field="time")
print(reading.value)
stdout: 1:06:04
